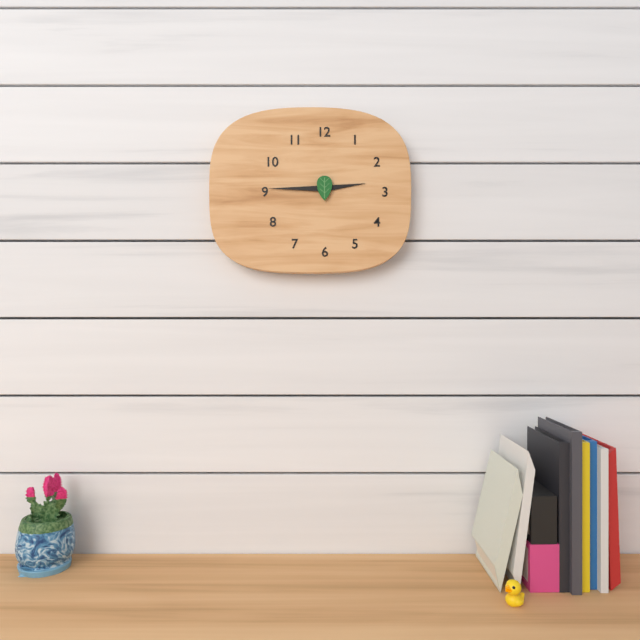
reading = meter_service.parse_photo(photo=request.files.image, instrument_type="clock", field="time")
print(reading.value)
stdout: 2:45
